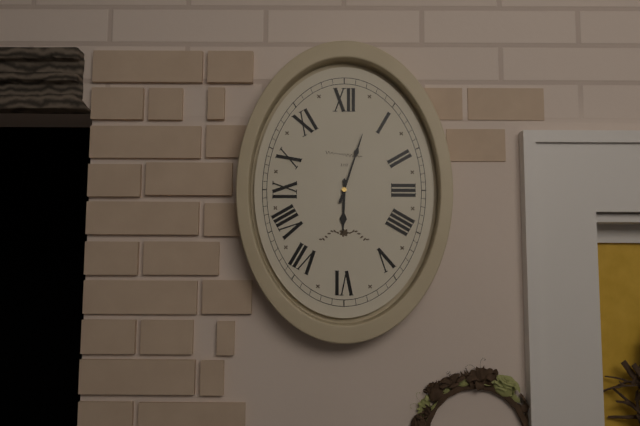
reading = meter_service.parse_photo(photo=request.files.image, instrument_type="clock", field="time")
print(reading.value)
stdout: 6:03
